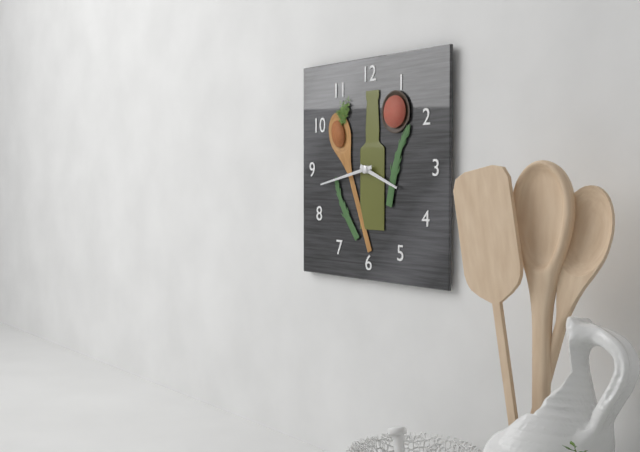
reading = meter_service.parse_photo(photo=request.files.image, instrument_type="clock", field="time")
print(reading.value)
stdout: 3:43
